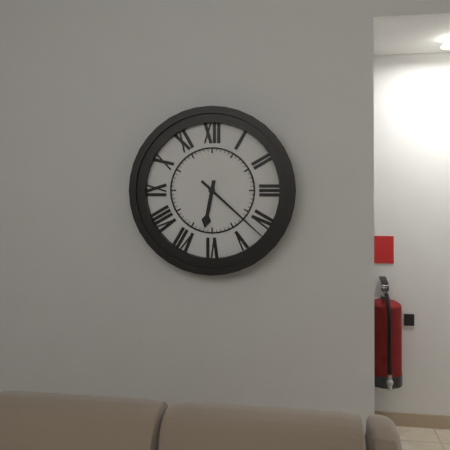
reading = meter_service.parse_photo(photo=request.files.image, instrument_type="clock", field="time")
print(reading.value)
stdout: 6:22
